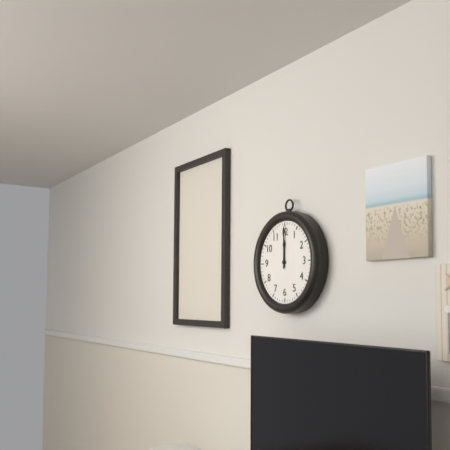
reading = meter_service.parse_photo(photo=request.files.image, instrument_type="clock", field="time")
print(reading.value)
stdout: 12:00
